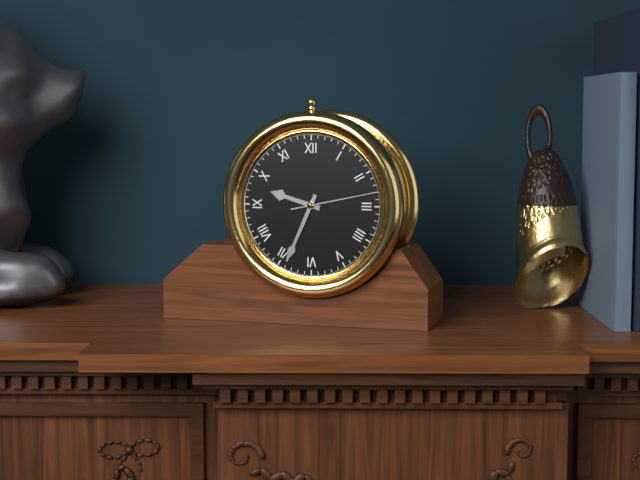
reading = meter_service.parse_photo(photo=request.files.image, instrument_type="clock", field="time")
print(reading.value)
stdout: 9:34:13
